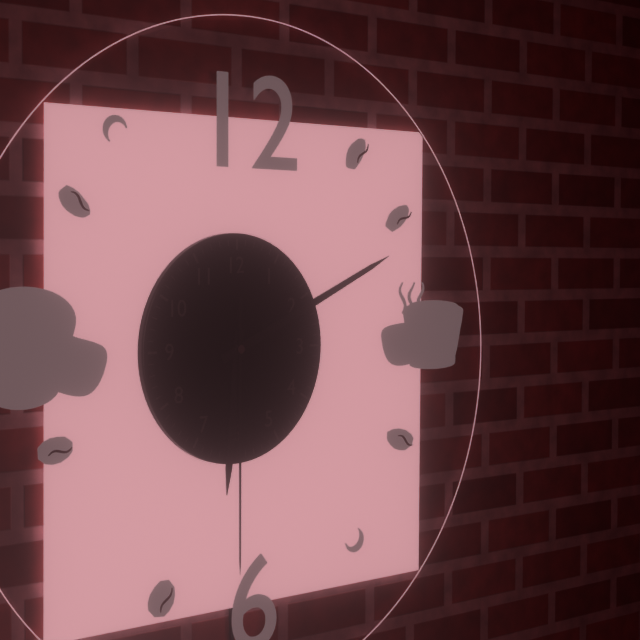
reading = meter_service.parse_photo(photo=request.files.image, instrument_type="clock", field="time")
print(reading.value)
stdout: 6:11:30
